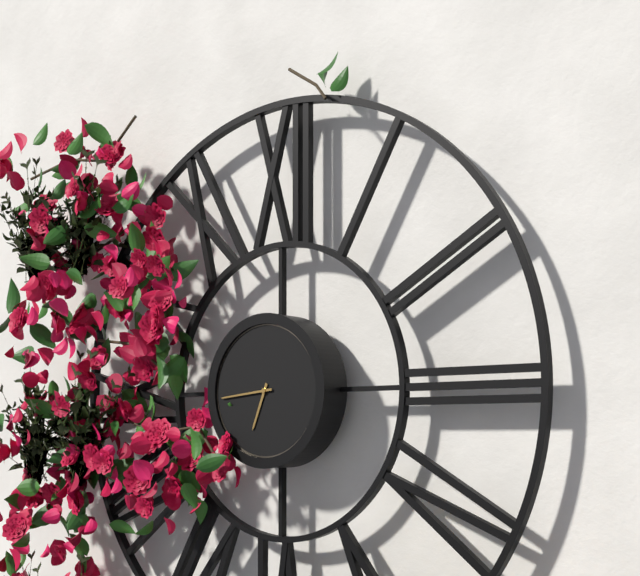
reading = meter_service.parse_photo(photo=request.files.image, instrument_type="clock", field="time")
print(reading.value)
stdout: 6:44
